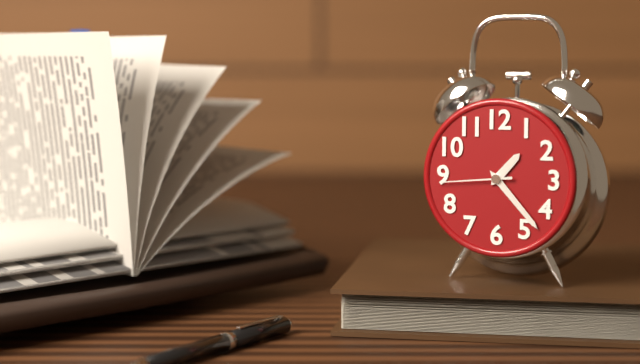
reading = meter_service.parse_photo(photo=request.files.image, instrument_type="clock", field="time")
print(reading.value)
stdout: 1:23:44
